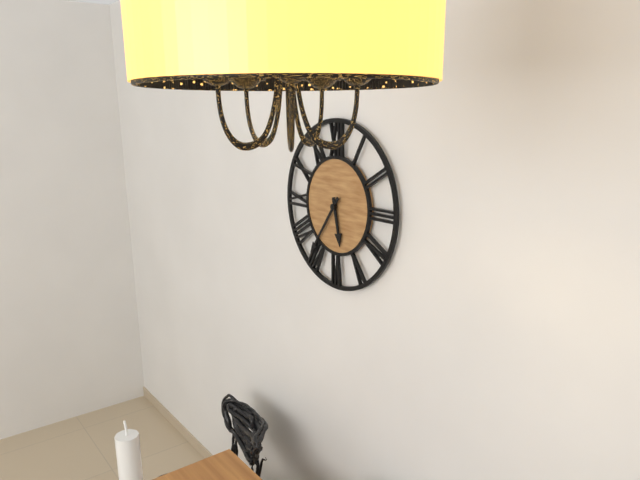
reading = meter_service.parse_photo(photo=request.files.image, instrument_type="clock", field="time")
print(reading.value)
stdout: 5:36
